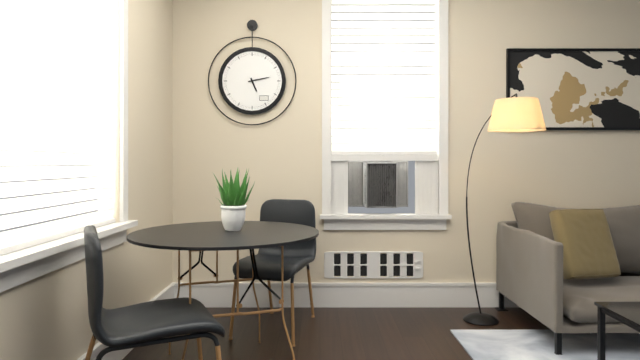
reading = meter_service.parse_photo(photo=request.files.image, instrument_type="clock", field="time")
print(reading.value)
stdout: 5:13
